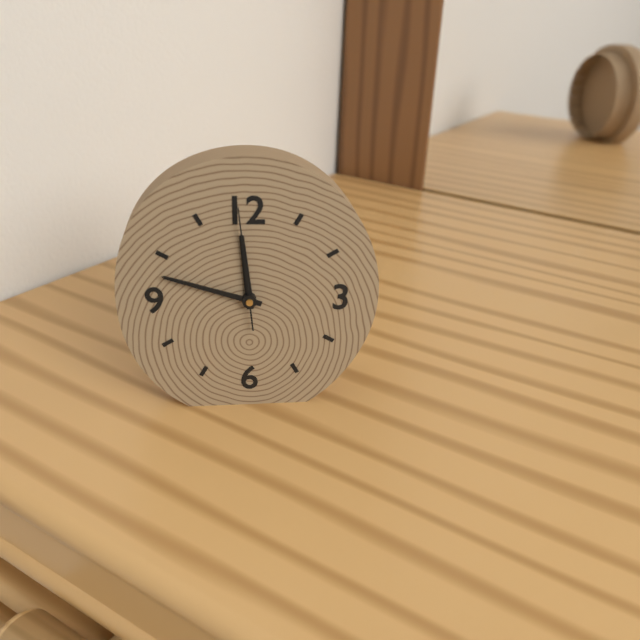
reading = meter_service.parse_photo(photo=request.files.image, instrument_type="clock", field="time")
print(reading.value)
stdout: 11:48:59
